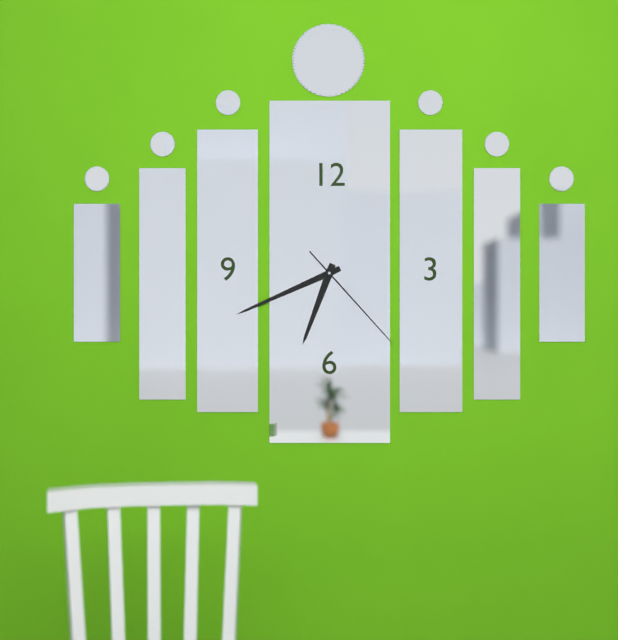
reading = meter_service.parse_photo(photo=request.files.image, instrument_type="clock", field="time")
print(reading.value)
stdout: 6:41:23
